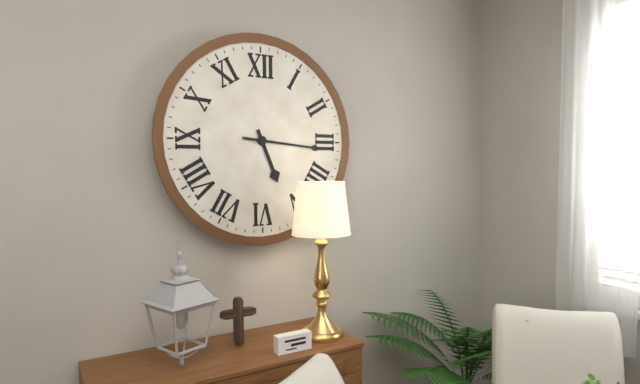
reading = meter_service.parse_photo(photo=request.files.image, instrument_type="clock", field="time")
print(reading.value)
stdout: 5:16
